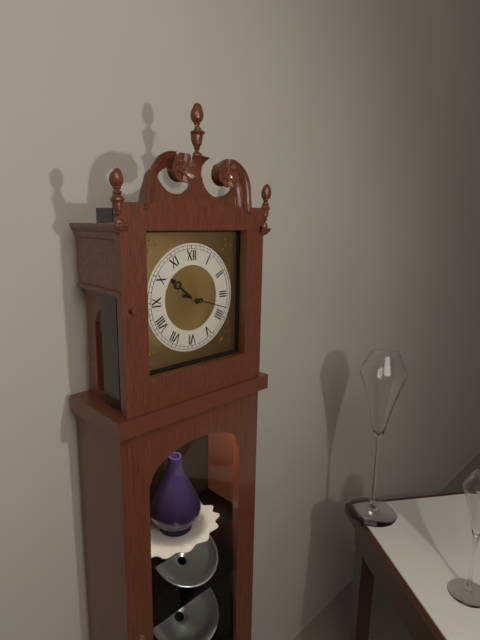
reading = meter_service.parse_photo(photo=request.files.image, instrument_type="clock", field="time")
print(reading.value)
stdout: 10:18
